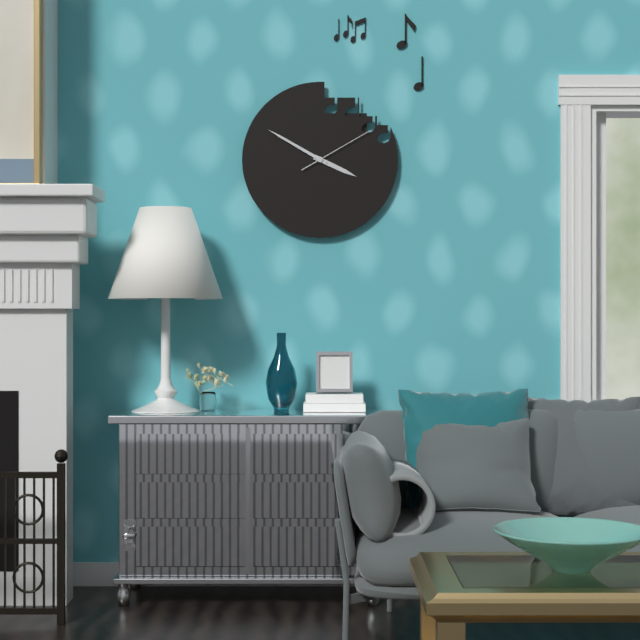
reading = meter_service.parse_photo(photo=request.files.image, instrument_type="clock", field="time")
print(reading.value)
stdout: 3:50:10
